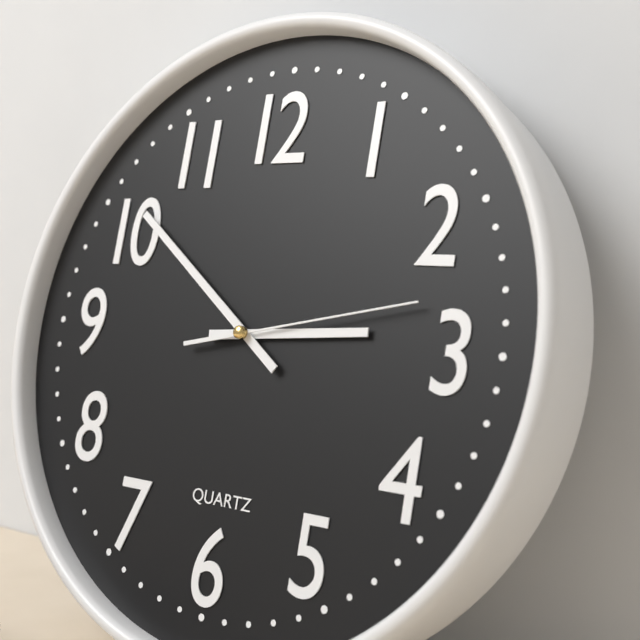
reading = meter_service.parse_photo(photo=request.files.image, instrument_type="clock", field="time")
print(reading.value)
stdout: 2:51:13
